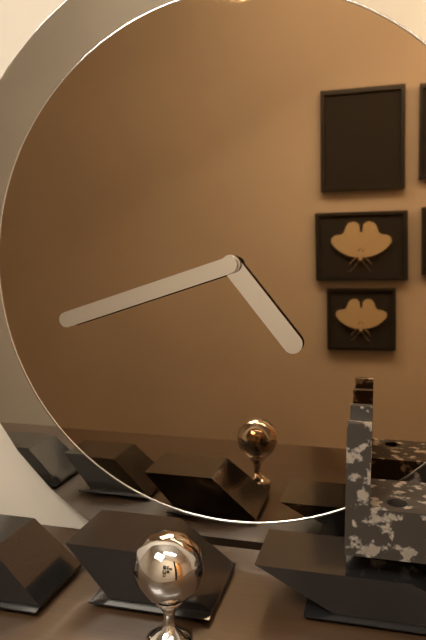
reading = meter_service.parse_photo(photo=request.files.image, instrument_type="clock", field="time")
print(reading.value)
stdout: 4:42
